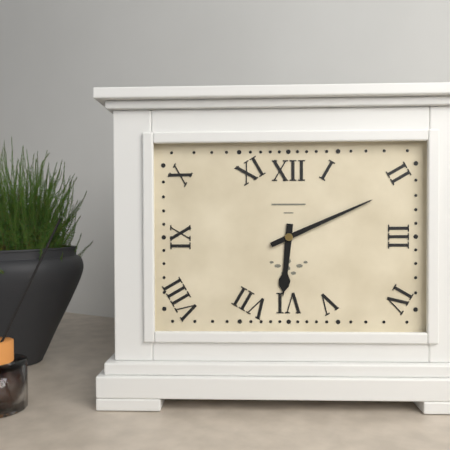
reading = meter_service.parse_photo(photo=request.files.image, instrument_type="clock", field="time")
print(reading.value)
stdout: 6:11
